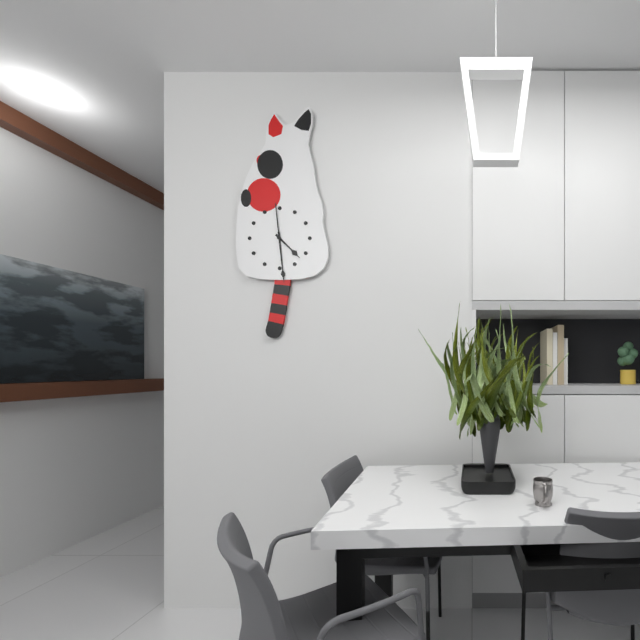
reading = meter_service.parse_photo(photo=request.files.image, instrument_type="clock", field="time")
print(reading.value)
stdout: 4:29
